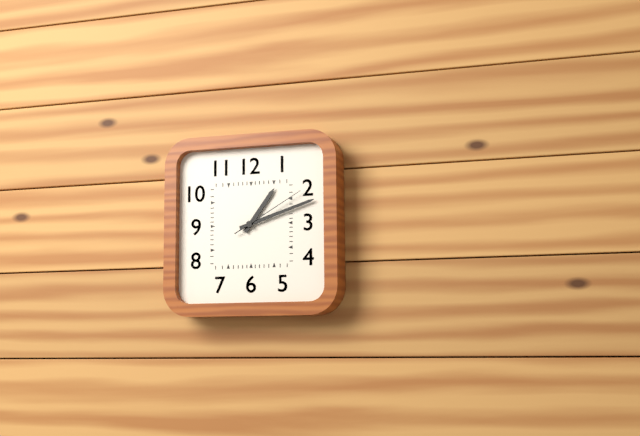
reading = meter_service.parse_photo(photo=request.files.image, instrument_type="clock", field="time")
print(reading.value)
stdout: 1:12:10
